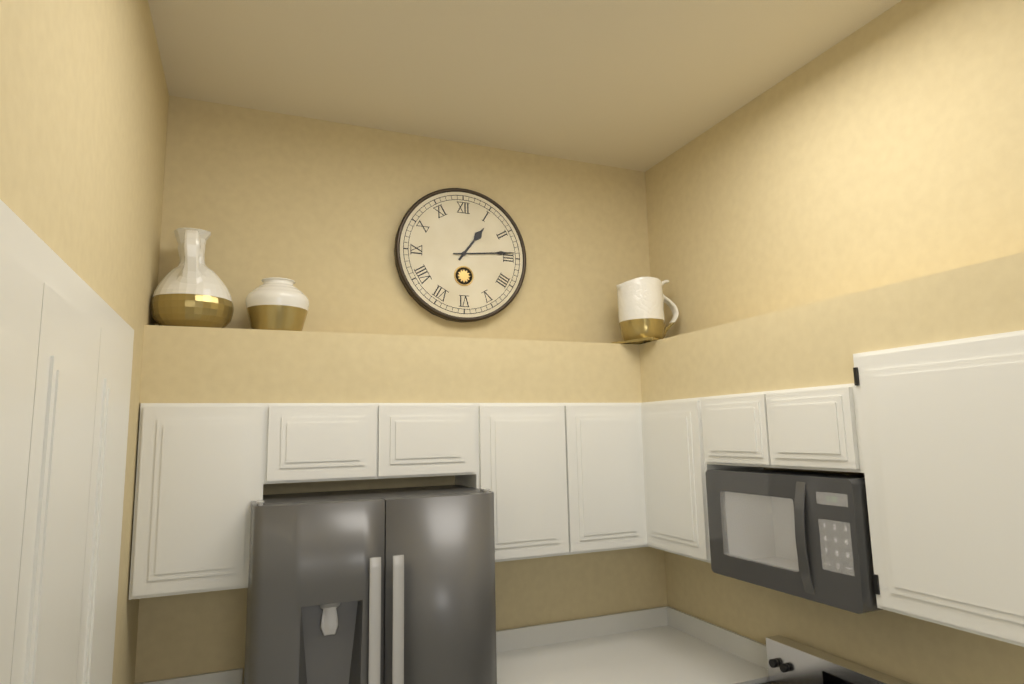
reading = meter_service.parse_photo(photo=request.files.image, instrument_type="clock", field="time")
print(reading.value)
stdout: 1:14
